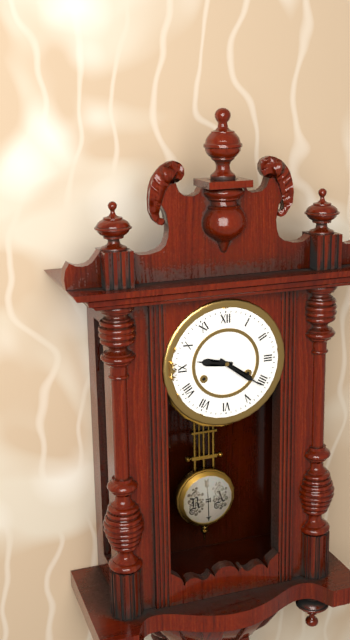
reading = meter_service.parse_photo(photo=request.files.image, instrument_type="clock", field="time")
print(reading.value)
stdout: 9:21
